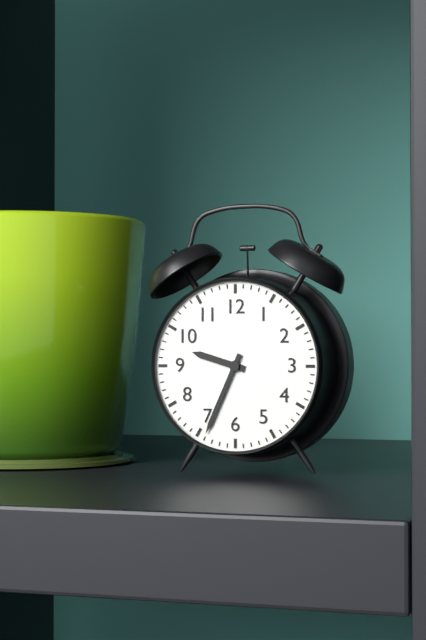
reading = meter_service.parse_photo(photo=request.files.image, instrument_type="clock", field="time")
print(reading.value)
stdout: 9:34
